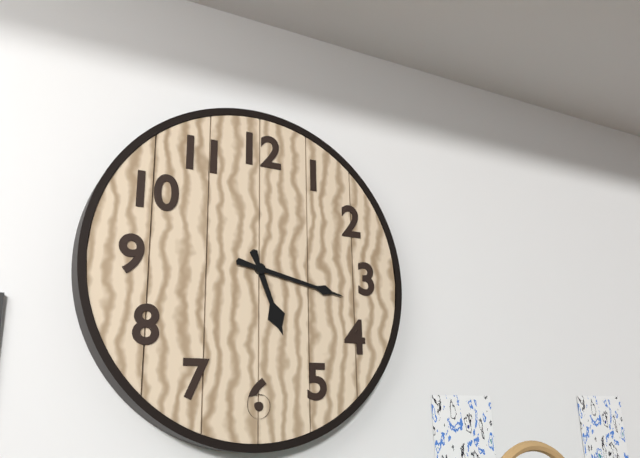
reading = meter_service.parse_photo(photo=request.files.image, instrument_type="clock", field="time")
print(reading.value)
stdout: 5:17
